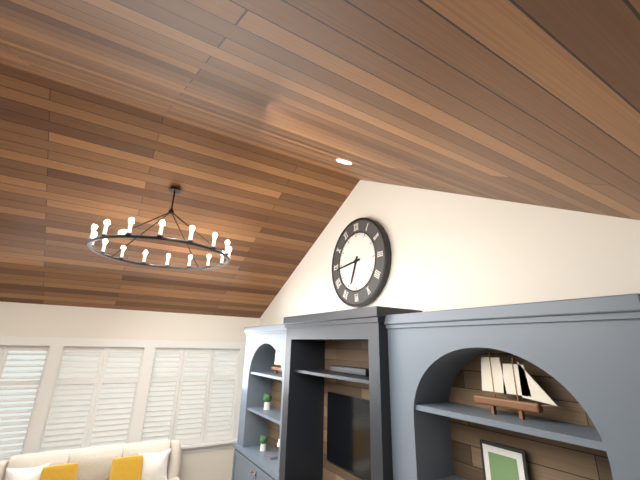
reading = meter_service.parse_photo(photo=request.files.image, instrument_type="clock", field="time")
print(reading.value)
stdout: 6:44
